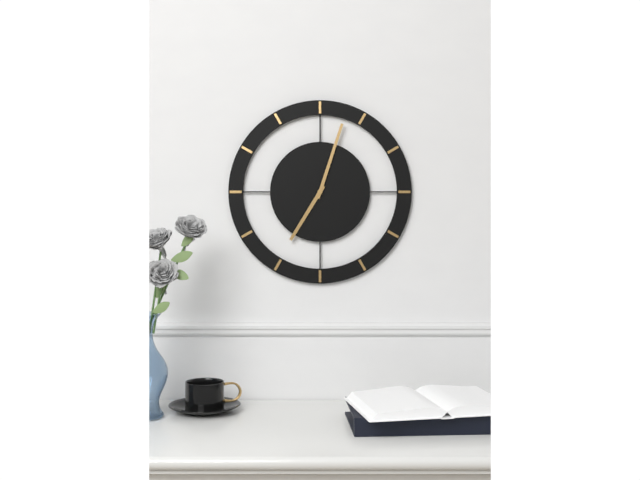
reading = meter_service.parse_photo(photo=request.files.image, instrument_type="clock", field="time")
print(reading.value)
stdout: 7:03
